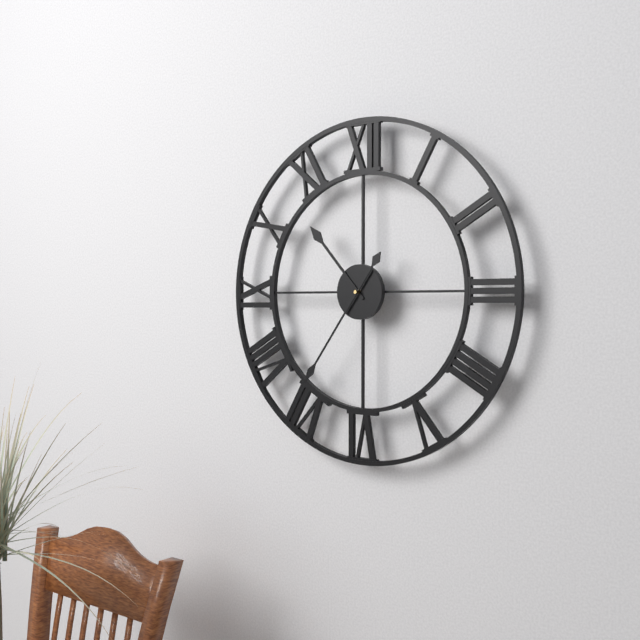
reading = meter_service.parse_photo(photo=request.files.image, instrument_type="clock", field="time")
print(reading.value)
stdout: 10:36
